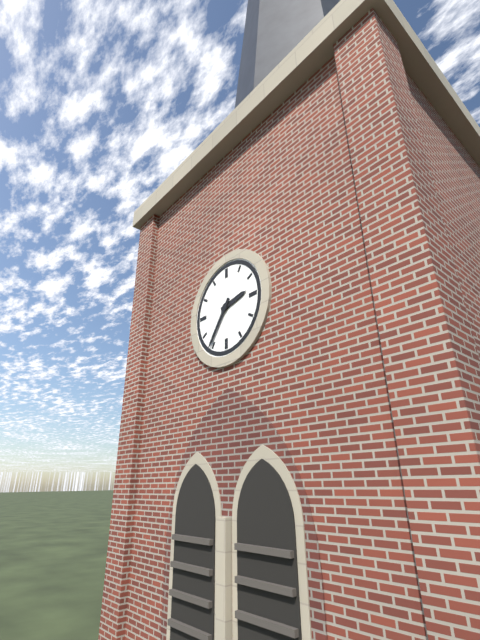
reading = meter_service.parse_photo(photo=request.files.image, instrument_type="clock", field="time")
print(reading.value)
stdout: 2:36
